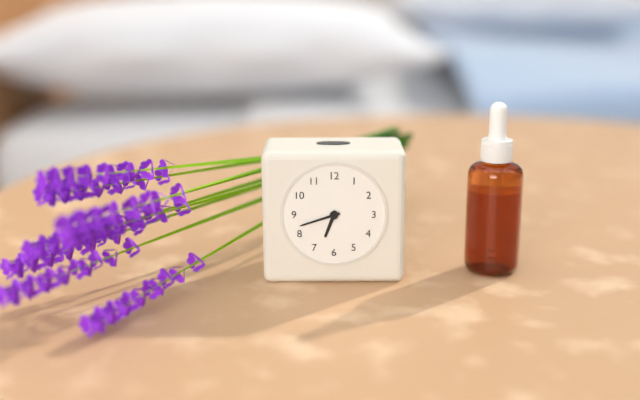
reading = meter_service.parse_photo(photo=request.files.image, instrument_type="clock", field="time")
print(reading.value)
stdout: 6:42
